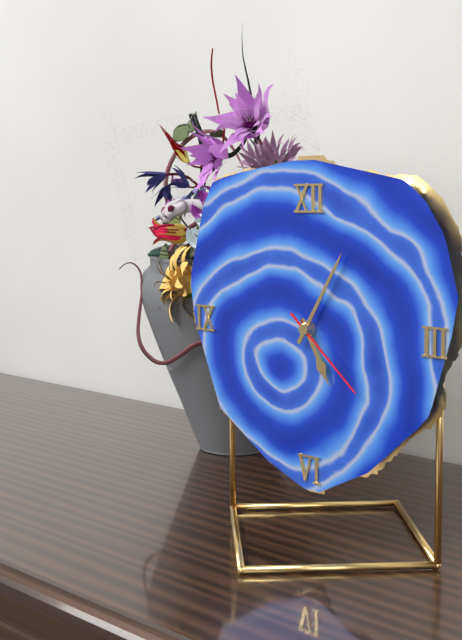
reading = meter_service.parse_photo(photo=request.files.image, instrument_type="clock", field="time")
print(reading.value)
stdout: 5:05:22
